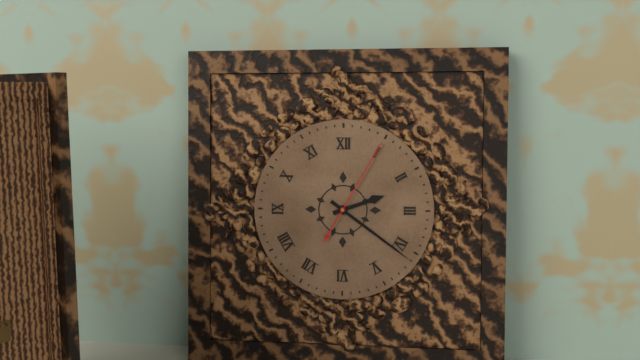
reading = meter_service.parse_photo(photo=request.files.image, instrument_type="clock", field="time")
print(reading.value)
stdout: 2:21:05
